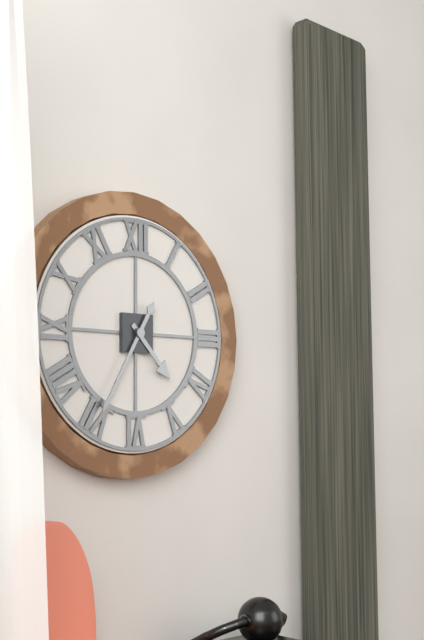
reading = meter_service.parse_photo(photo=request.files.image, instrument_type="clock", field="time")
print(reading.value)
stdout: 4:35
